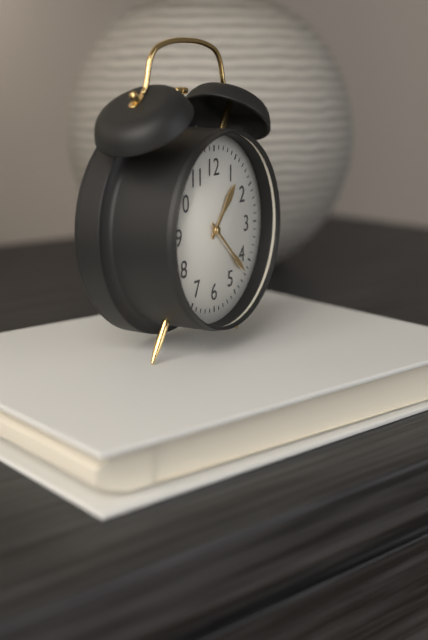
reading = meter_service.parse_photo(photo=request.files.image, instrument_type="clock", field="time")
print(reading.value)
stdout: 1:22
